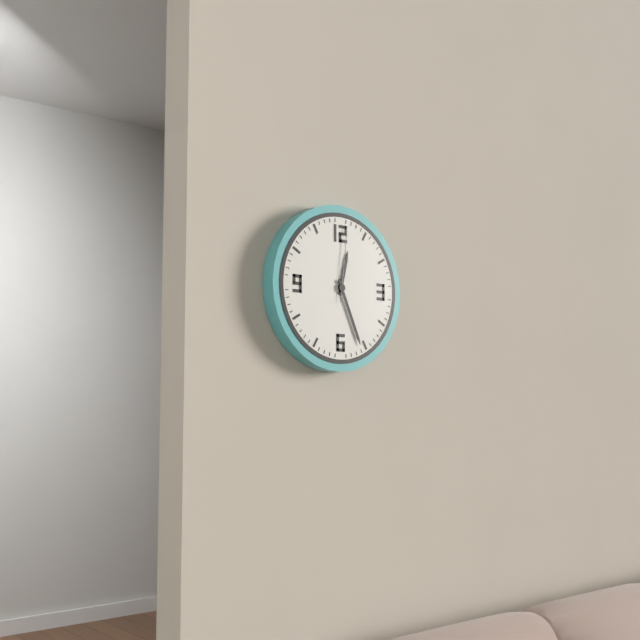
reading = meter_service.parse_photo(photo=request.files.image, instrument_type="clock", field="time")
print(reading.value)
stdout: 12:26:01
